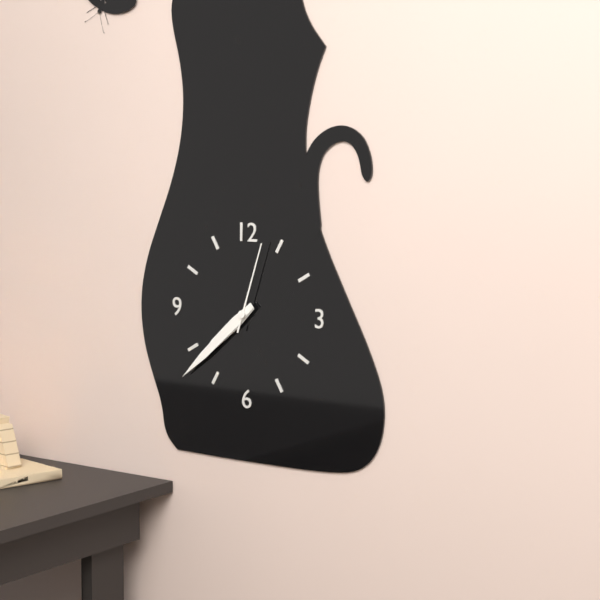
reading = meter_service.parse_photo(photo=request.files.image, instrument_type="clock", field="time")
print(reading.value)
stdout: 7:38:03
